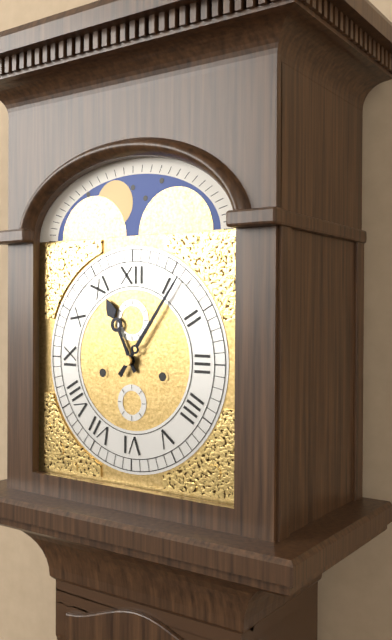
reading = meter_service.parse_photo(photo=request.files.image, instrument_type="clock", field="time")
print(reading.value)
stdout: 11:06
